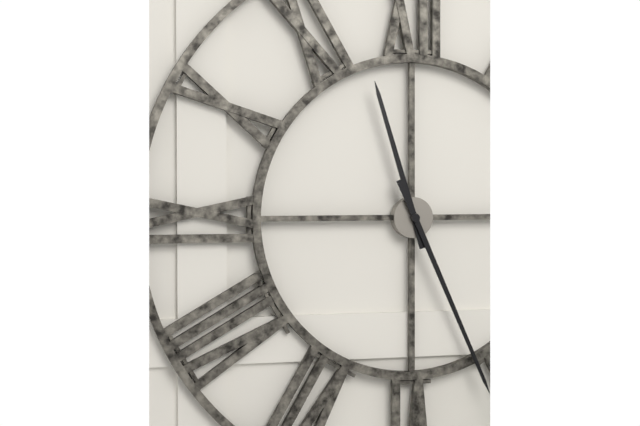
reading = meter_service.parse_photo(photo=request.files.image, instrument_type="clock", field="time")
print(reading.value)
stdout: 11:26
